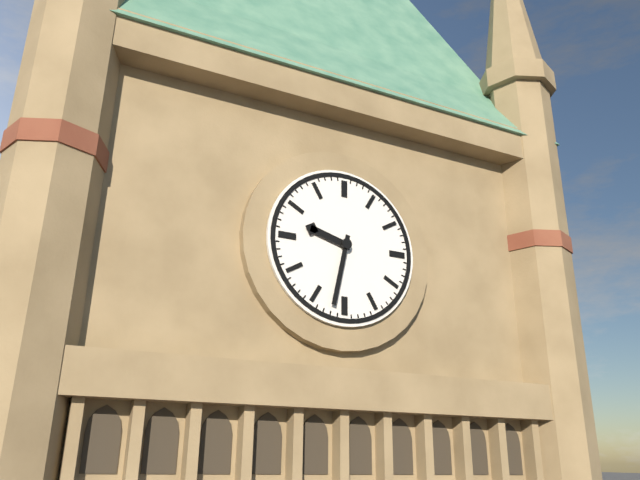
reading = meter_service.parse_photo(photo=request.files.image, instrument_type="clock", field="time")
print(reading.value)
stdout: 9:32
